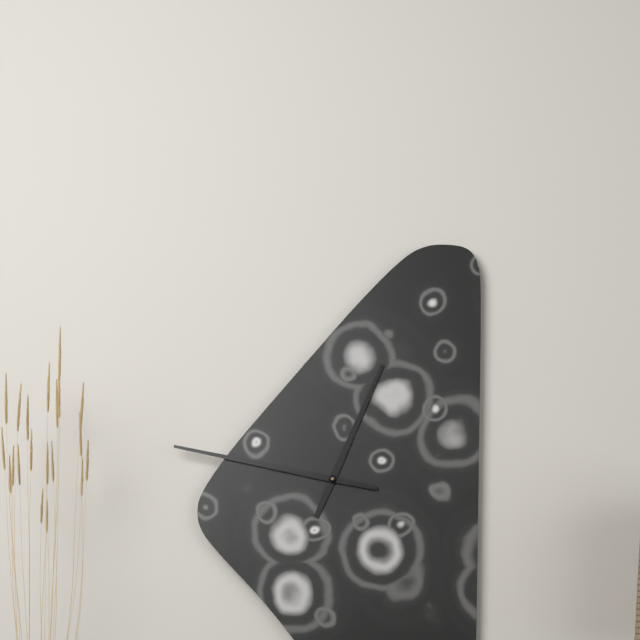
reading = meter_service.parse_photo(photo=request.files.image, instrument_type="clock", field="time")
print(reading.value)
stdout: 12:47
